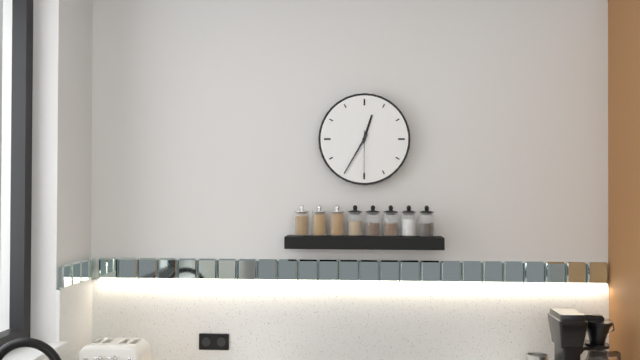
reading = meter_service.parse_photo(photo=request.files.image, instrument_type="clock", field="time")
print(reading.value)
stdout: 12:35
